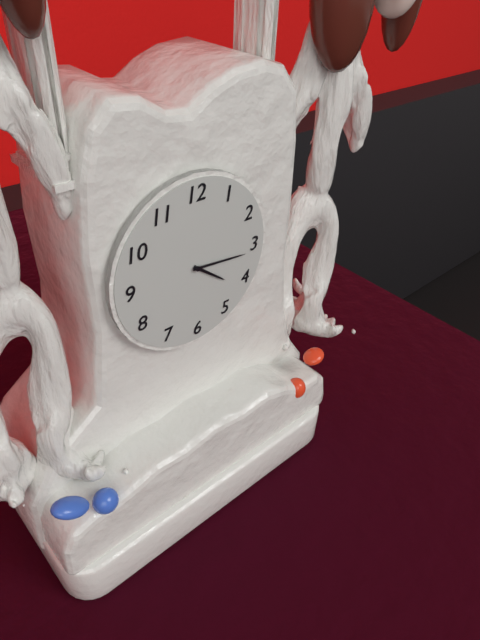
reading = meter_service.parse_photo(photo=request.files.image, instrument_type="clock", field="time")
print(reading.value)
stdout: 4:16
